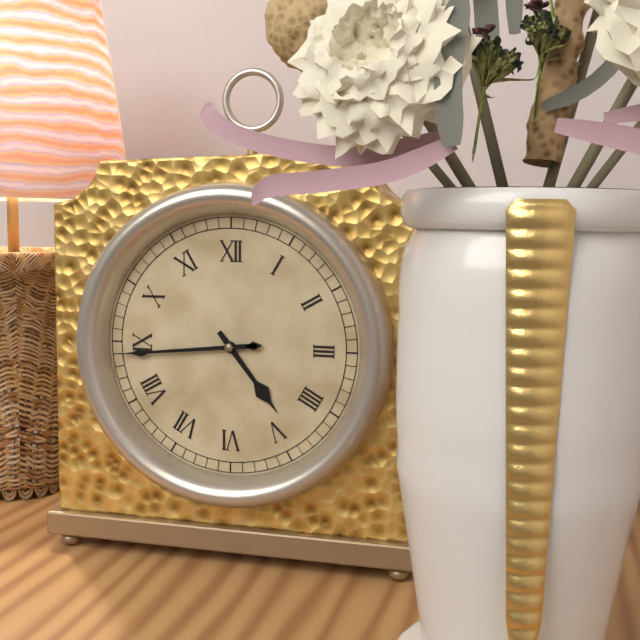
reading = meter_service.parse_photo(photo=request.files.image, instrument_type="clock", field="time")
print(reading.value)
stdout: 4:44
